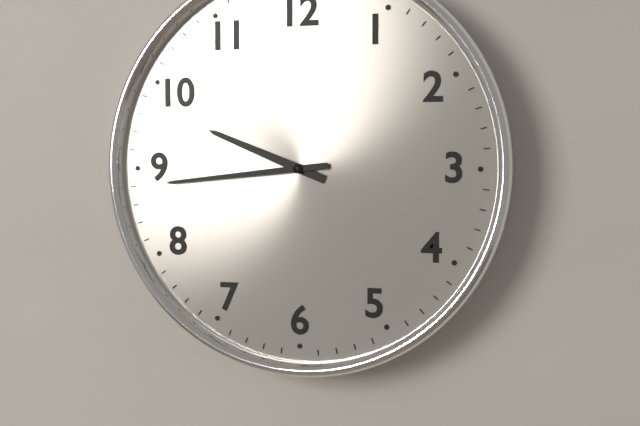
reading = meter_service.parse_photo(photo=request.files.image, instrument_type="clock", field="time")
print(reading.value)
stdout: 9:44
